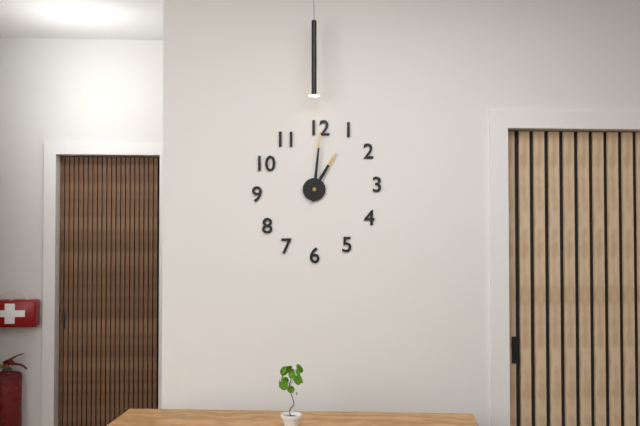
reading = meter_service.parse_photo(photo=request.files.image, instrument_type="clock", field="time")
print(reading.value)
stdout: 1:01
